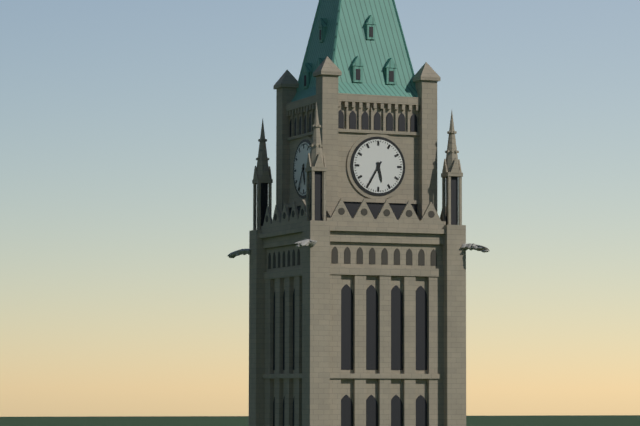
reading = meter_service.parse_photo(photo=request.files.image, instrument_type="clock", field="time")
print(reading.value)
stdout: 5:35
